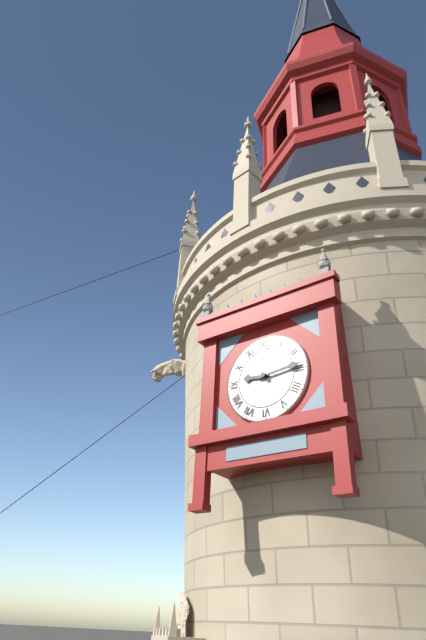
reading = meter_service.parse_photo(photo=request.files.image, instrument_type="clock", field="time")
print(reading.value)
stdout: 9:14
